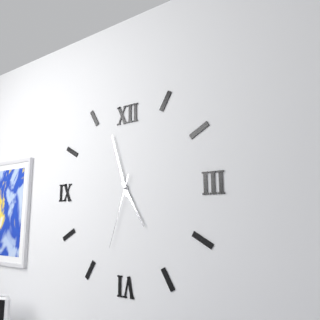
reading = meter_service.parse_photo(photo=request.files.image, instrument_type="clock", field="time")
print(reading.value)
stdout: 4:57:33
